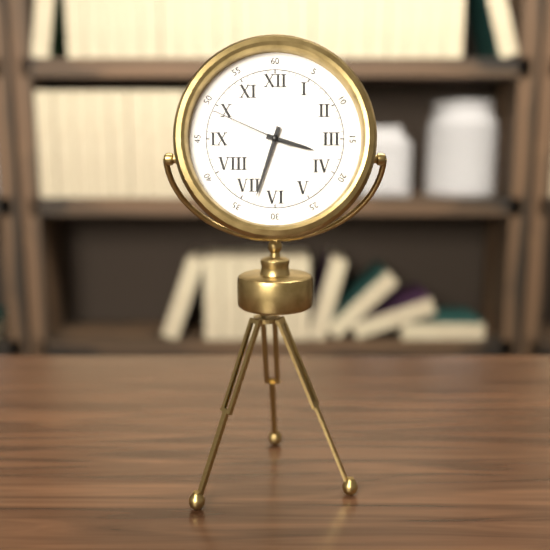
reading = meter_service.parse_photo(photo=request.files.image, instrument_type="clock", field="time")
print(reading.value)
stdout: 3:33:49
